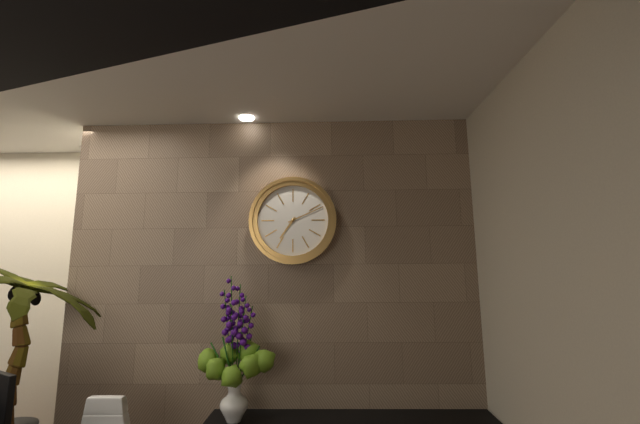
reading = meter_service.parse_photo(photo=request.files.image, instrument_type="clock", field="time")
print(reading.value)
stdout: 7:11
